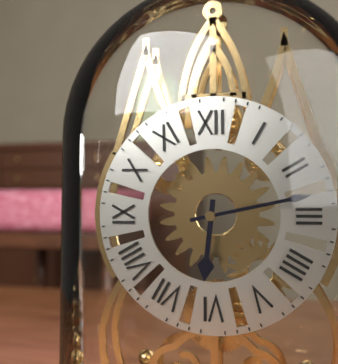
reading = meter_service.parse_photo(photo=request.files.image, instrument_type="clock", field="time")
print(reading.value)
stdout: 6:13
